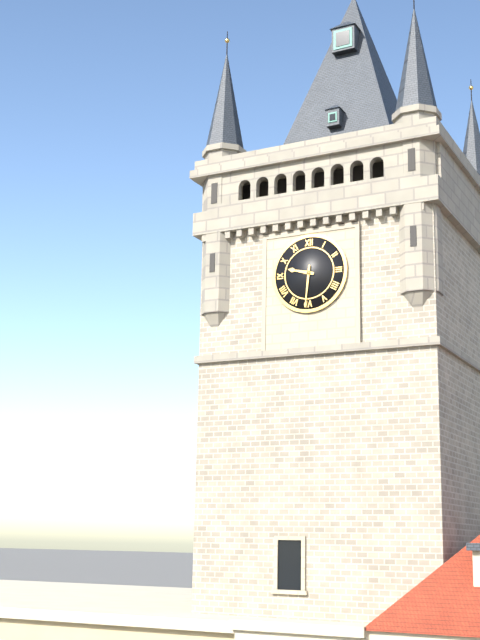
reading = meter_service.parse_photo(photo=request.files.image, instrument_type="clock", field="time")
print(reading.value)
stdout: 9:31
